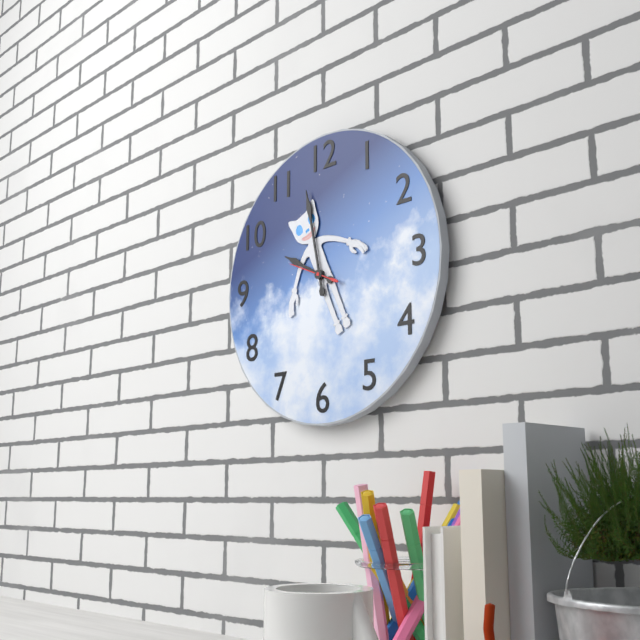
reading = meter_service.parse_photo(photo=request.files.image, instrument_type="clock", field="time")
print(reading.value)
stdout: 9:58
